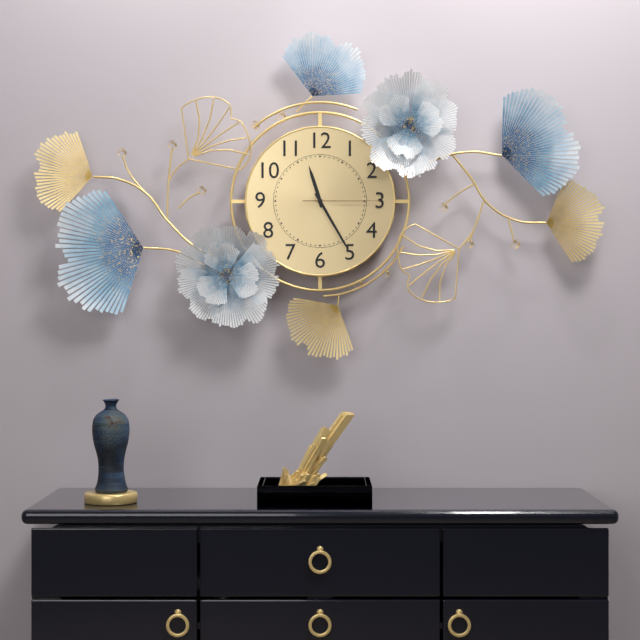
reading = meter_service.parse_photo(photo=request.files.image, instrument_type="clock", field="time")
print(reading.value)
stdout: 11:25:15
